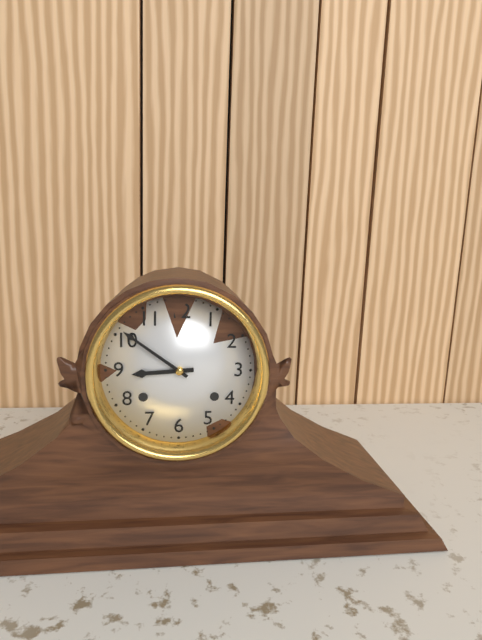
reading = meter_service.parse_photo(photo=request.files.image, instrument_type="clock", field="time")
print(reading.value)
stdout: 8:51
